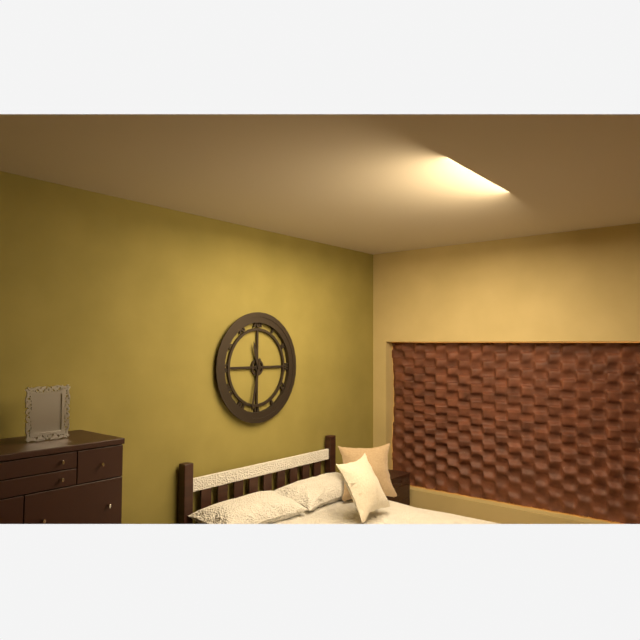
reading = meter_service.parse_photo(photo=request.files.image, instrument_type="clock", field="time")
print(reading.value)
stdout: 11:32
